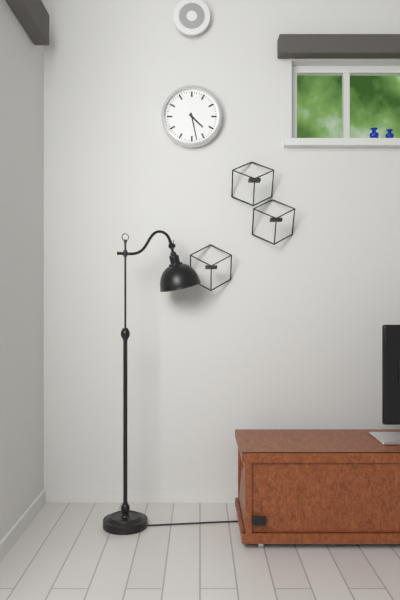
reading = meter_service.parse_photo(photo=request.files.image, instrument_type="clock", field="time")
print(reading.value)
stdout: 4:28
